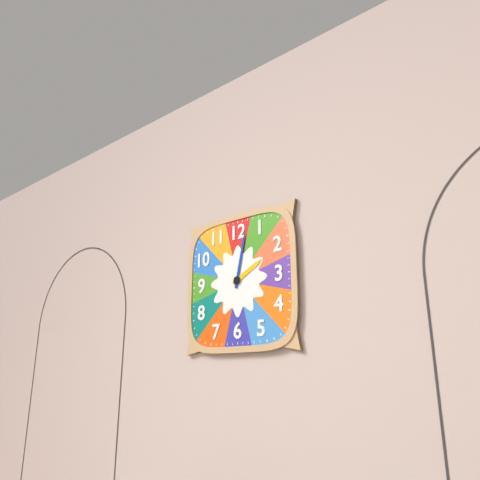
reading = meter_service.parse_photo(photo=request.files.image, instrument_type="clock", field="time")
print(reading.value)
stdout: 2:02
